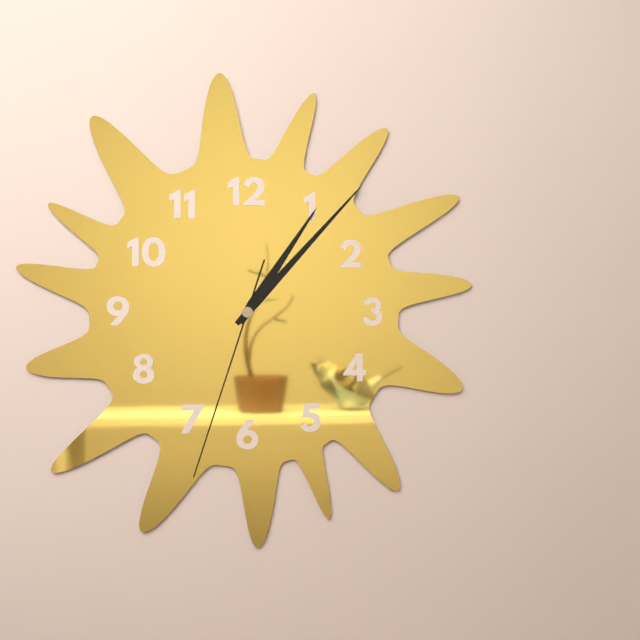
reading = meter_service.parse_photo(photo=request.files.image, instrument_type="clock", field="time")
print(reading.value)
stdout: 1:07:33
